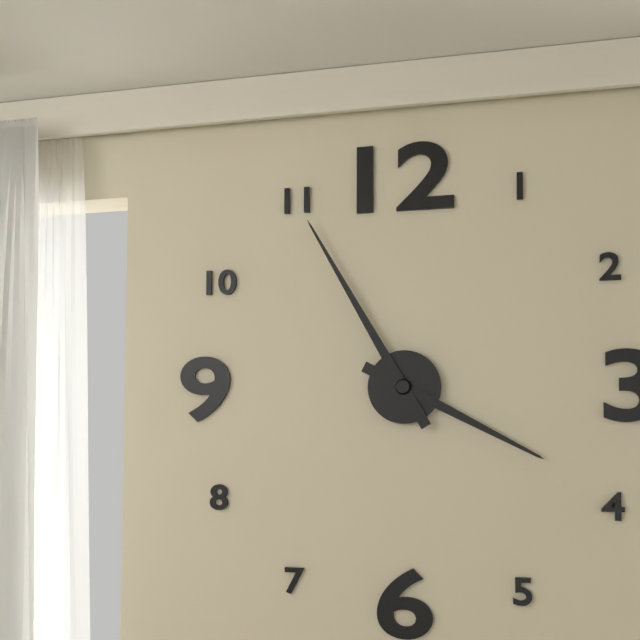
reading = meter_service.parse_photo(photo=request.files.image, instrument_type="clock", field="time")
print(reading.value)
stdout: 3:55
